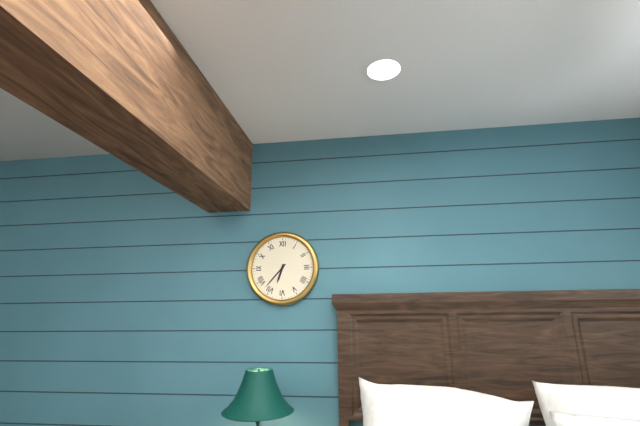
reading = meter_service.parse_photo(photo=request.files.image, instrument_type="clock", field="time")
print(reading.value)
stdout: 6:37
